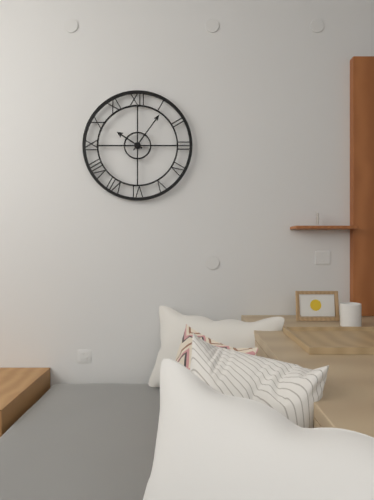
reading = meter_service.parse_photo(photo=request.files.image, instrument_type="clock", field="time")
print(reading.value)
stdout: 10:06
